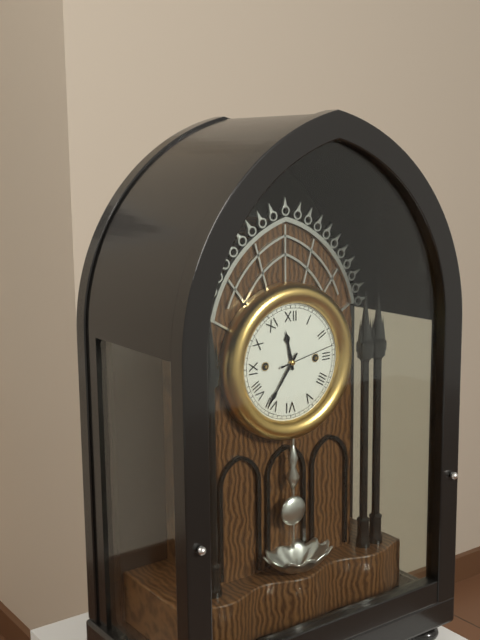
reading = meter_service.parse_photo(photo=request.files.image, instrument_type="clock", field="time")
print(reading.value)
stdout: 11:36:13
